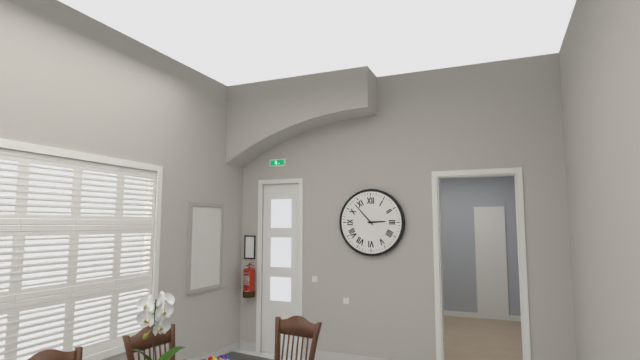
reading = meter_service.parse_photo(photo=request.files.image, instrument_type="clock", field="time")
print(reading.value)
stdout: 2:53
